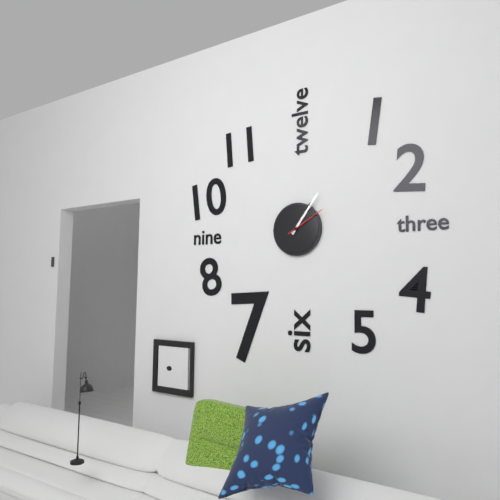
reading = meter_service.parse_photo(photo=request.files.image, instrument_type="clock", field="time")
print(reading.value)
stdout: 1:06
